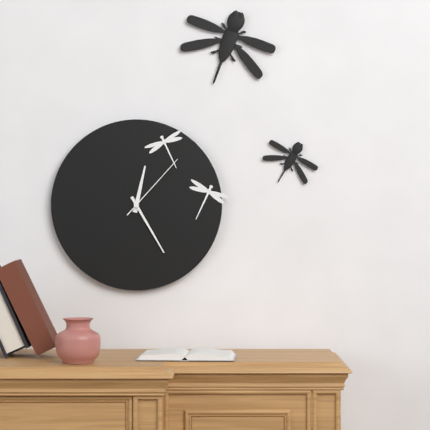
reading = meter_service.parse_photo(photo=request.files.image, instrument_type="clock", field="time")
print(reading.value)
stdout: 12:25:07
